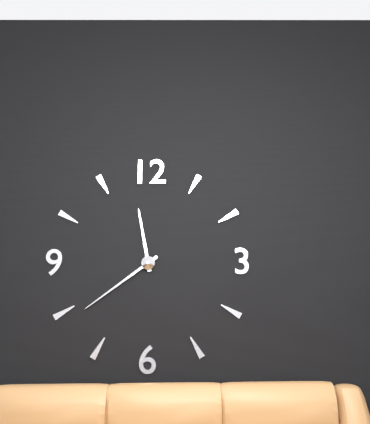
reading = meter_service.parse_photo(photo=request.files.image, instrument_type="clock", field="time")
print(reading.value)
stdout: 11:39
